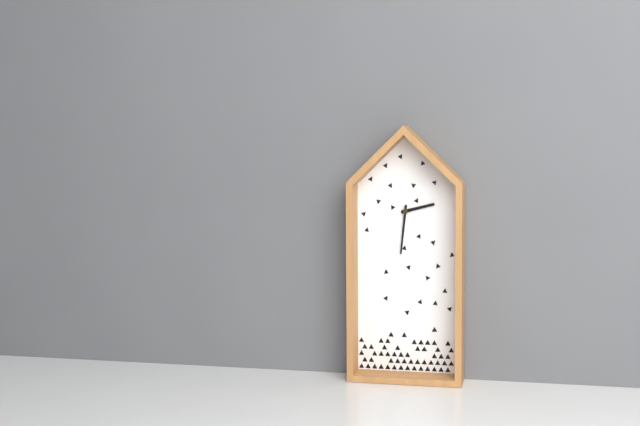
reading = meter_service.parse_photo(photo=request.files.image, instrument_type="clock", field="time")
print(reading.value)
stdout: 2:31
